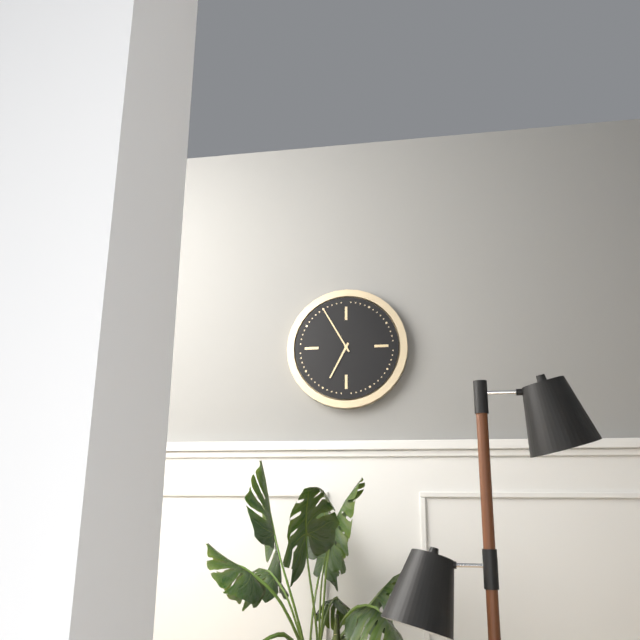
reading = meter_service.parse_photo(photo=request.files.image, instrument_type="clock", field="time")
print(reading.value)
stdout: 6:55
